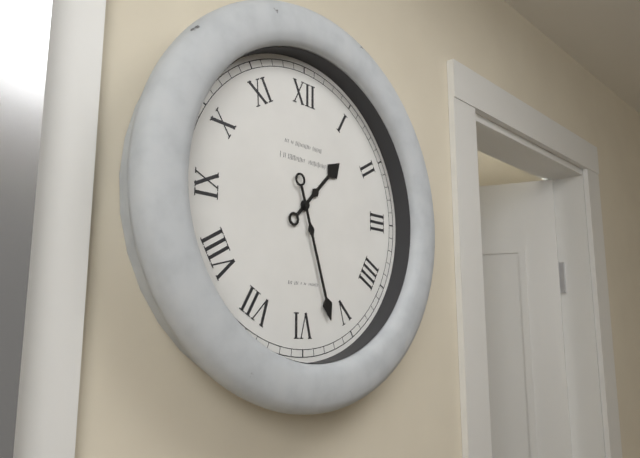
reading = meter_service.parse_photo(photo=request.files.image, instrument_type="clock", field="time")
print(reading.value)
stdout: 1:27
